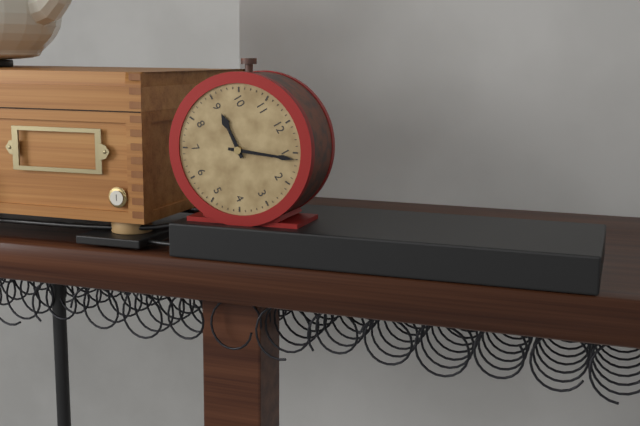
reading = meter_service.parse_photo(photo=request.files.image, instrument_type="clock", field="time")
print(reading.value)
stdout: 9:06
